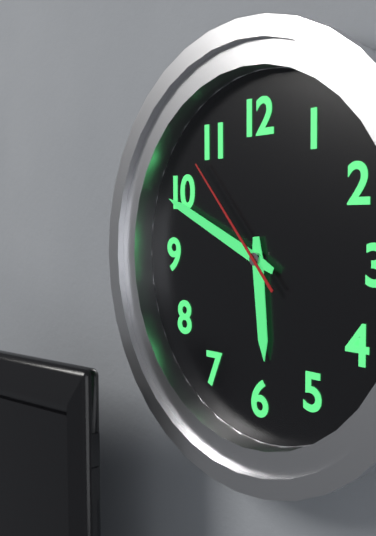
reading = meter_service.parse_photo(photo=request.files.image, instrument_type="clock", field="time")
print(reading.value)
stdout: 5:49:53
